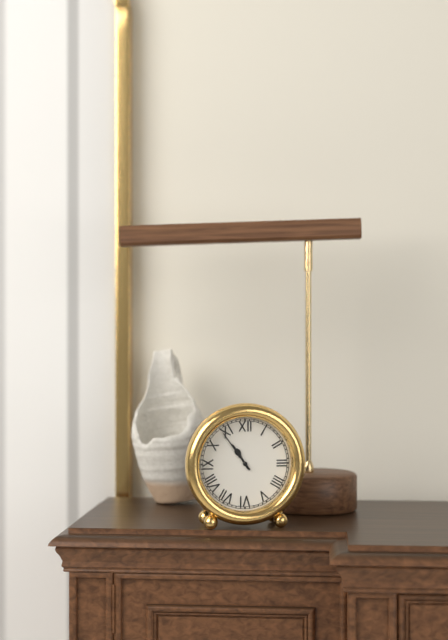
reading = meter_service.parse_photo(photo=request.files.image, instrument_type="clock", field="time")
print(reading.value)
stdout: 10:54
